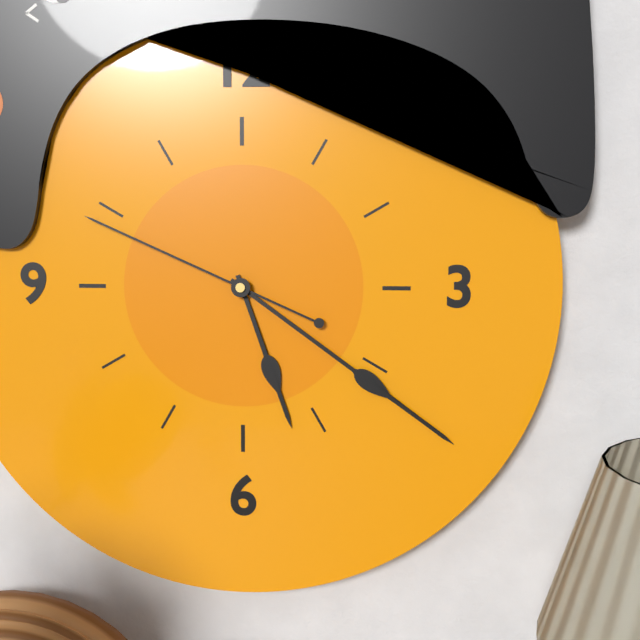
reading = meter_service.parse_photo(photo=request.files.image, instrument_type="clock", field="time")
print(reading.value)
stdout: 5:21:49
